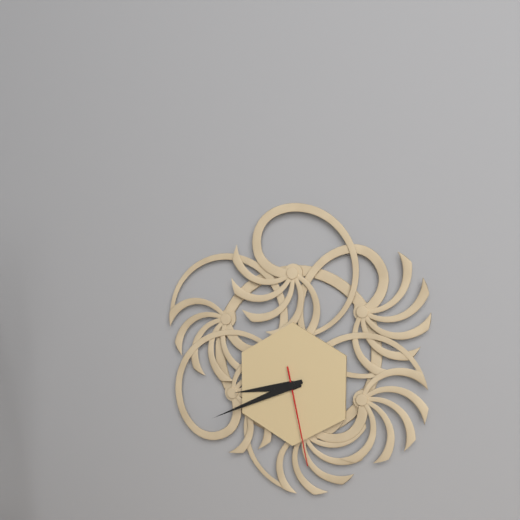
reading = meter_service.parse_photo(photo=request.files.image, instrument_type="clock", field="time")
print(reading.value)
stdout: 8:41:28
